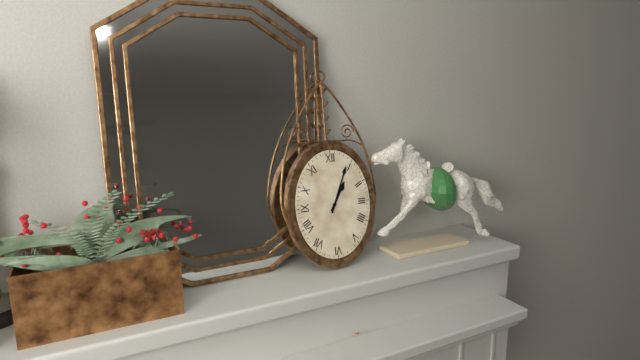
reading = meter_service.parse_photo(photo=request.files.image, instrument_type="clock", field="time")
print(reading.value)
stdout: 1:04
